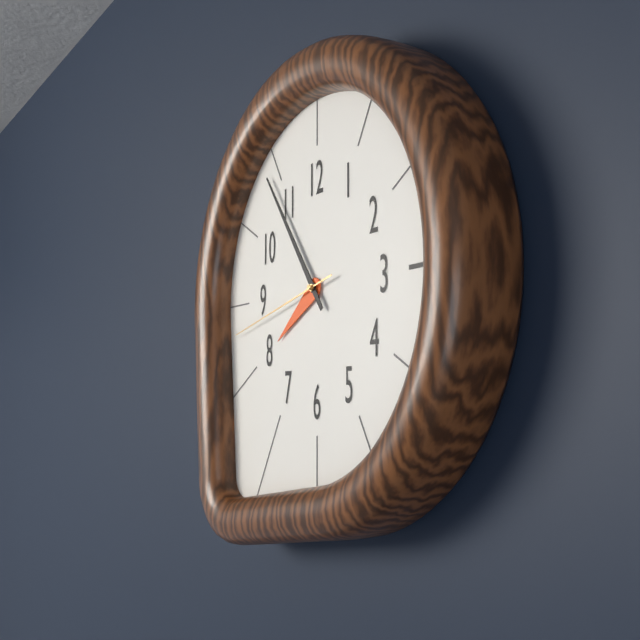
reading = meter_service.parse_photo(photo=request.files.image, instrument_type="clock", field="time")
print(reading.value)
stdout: 7:54:43
